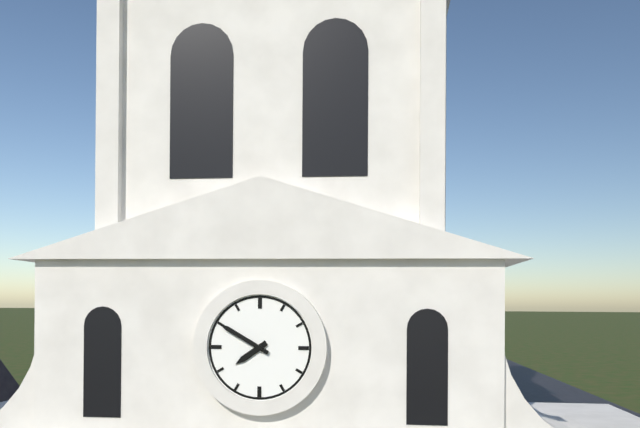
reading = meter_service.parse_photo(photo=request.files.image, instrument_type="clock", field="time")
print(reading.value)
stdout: 7:50
